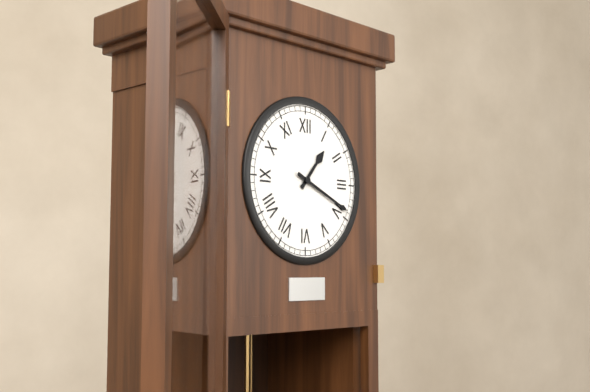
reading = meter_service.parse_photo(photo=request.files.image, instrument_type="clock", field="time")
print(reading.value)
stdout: 1:19
